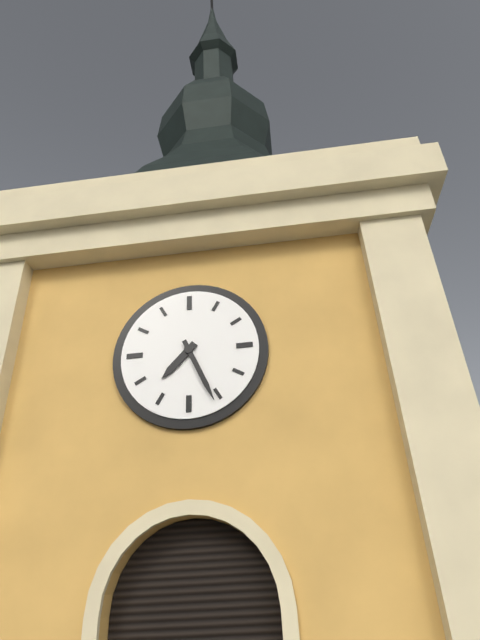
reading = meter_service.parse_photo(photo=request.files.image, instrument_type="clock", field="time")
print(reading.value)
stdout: 7:26
